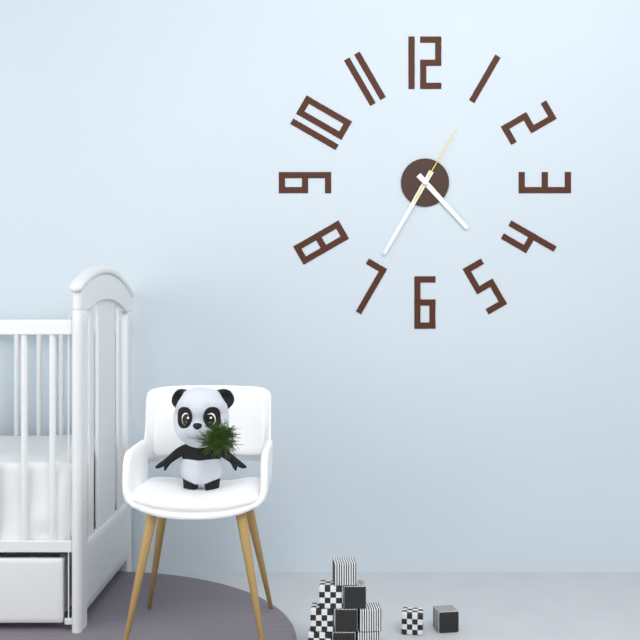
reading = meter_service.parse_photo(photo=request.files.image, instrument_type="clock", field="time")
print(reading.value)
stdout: 4:35:05
